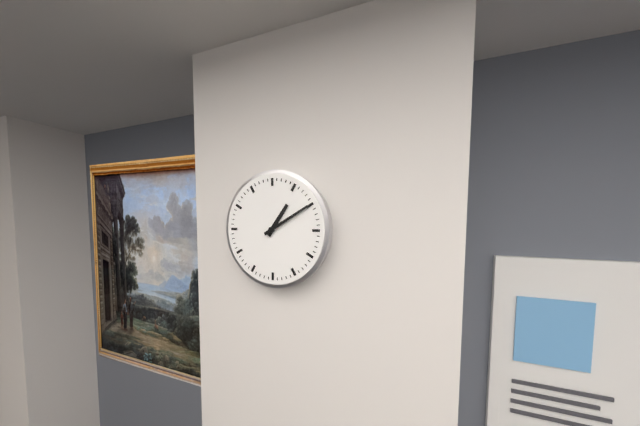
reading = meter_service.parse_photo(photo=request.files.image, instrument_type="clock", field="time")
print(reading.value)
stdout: 1:10
